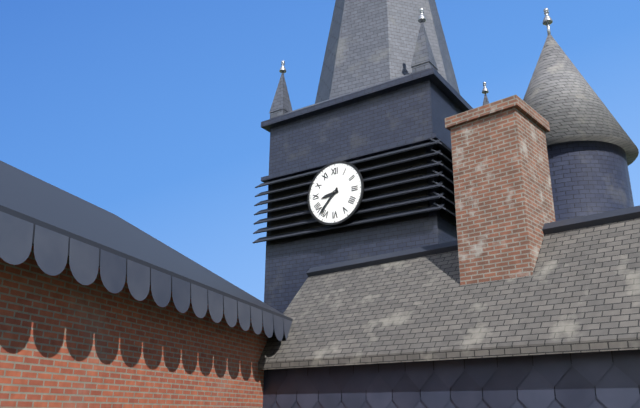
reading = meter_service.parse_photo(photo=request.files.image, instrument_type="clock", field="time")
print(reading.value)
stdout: 8:37
